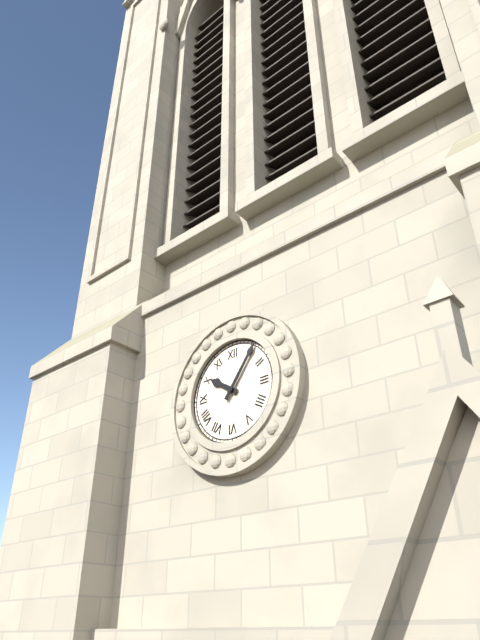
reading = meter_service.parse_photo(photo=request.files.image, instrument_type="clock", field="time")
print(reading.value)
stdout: 10:06
